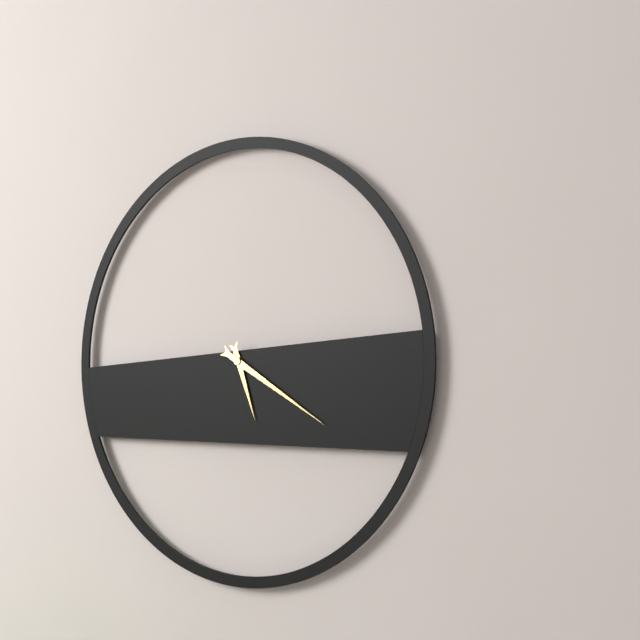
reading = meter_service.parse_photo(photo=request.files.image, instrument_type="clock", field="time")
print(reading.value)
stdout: 5:20
